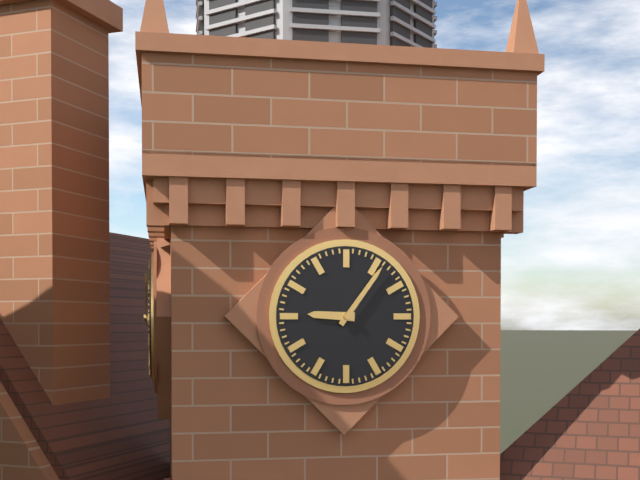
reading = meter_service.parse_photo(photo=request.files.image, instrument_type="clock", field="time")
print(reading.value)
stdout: 9:06
